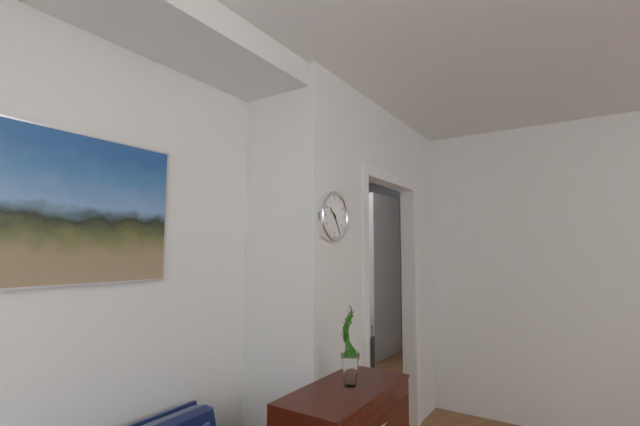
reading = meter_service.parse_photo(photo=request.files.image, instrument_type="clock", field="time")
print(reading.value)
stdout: 10:25
